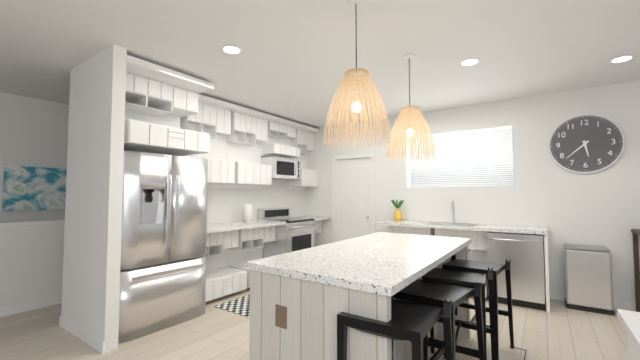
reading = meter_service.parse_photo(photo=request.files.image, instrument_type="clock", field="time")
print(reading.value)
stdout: 5:38
